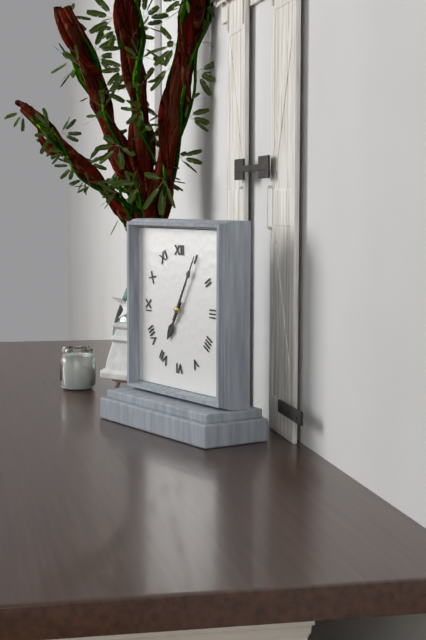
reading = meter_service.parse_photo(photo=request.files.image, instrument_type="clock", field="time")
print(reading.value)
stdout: 7:05
